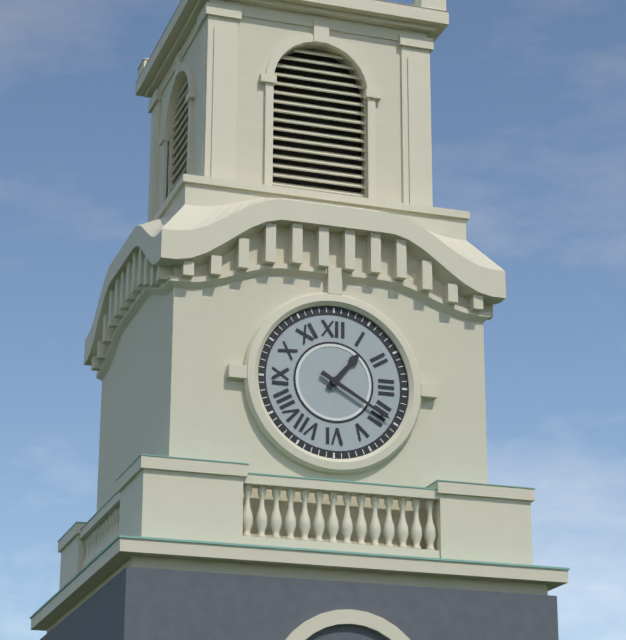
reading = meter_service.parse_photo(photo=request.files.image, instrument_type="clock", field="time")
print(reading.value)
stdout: 1:20
